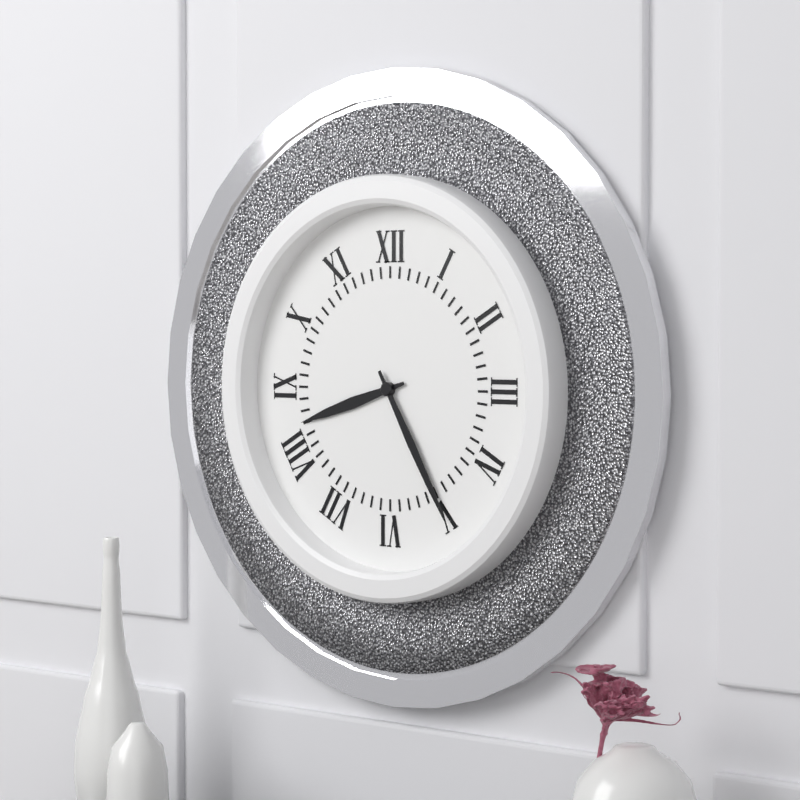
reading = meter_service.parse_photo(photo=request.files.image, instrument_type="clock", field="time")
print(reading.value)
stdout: 8:25
